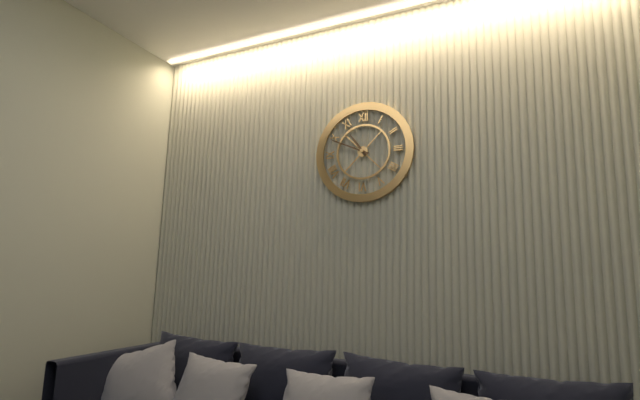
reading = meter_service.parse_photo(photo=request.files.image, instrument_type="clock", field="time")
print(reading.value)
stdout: 10:49
